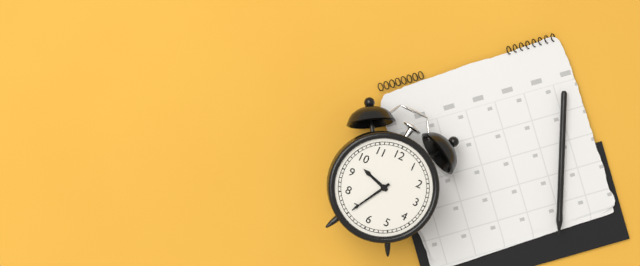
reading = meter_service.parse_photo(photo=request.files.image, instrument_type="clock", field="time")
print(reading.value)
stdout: 9:35
